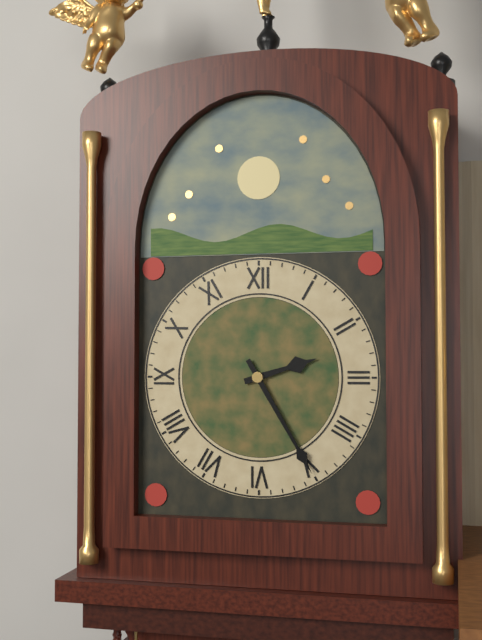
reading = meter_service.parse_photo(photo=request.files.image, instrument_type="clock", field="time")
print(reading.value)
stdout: 2:25
